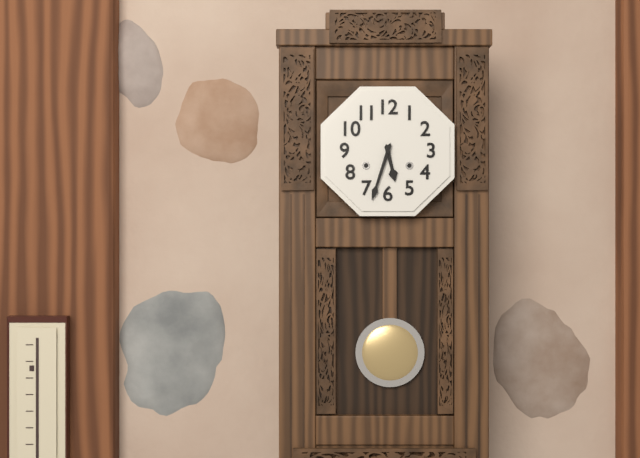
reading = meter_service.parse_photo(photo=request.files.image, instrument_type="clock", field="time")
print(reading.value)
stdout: 5:33
